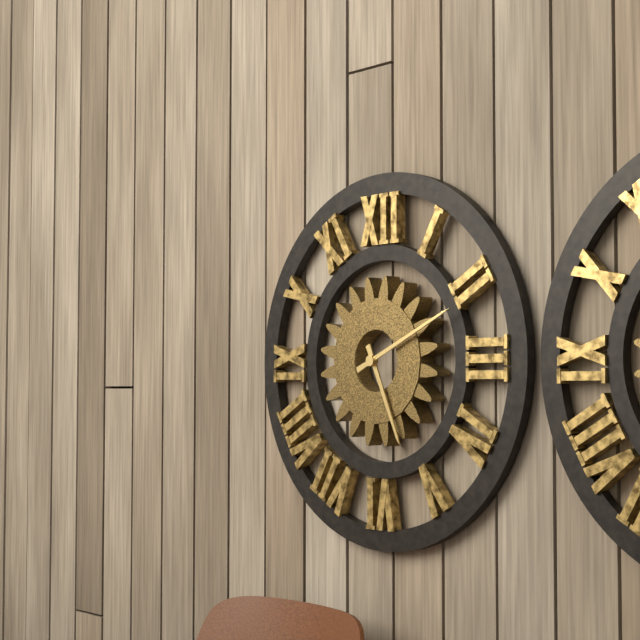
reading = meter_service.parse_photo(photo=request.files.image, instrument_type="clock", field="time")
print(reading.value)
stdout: 5:11
